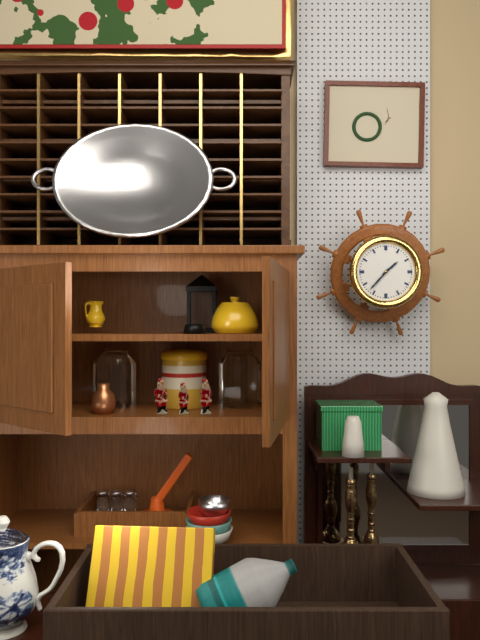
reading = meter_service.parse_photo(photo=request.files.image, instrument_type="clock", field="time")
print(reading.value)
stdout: 1:37
